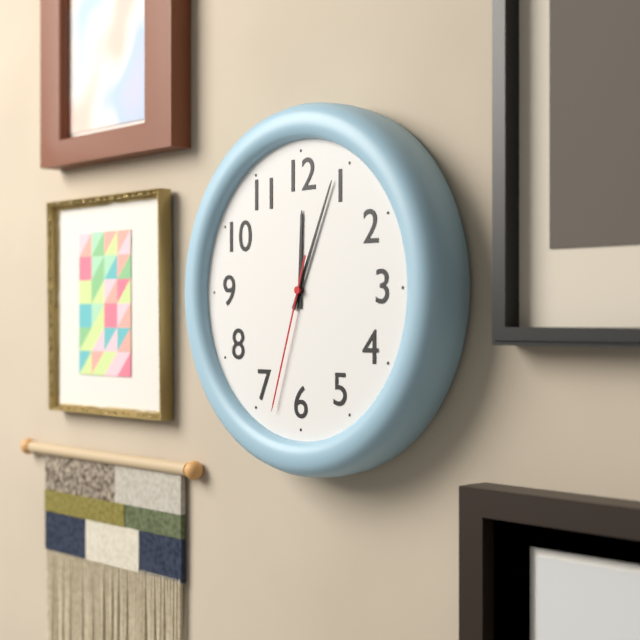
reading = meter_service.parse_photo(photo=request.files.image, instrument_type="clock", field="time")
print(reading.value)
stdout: 12:04:33
